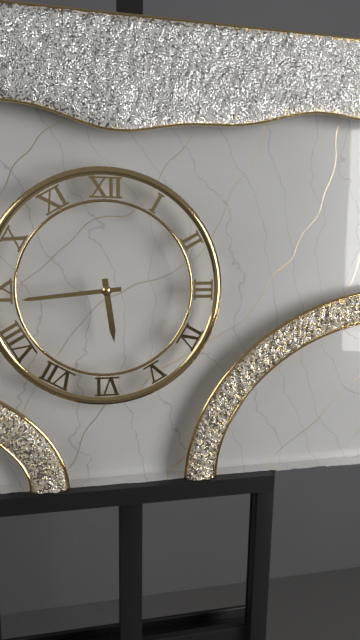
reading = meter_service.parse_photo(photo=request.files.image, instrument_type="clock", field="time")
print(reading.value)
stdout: 5:44
